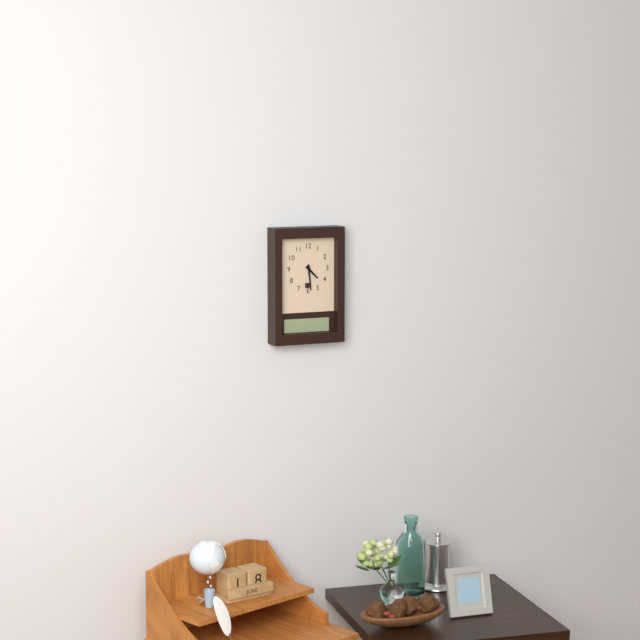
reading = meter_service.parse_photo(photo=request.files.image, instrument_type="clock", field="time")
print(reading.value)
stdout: 4:29
